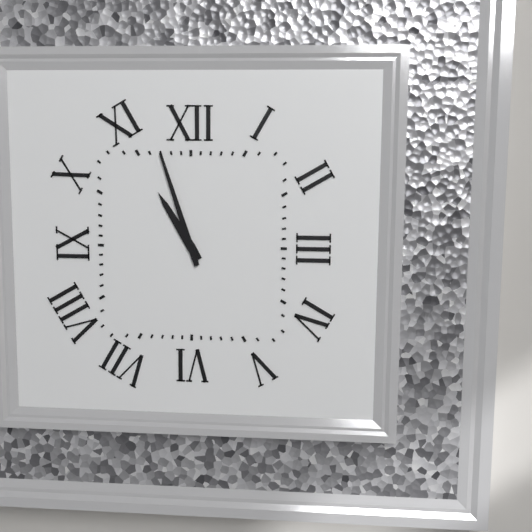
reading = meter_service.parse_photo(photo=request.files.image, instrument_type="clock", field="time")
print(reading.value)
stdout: 10:57
